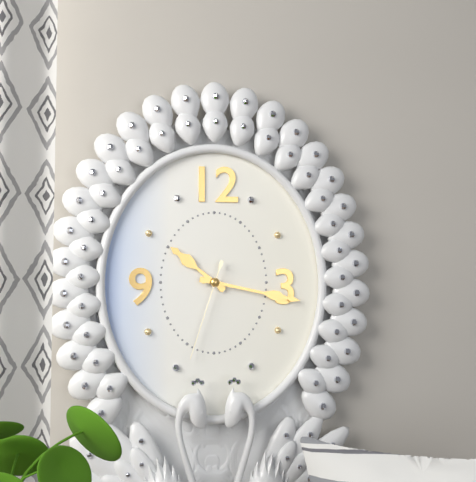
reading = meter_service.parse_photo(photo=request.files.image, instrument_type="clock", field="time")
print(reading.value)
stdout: 10:17:33
